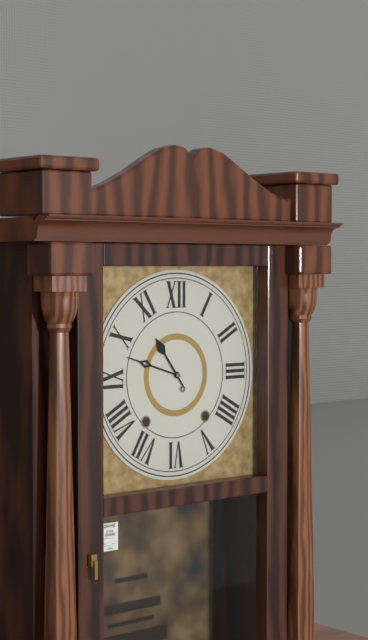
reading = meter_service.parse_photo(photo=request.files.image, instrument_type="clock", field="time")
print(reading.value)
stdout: 10:48
